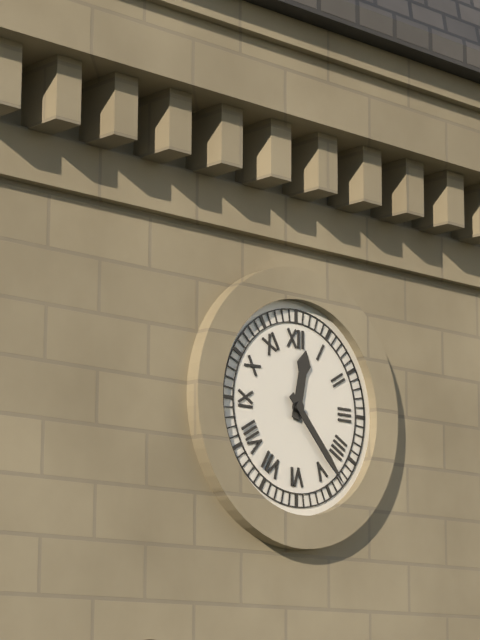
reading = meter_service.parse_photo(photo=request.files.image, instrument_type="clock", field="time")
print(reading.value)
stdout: 12:23
